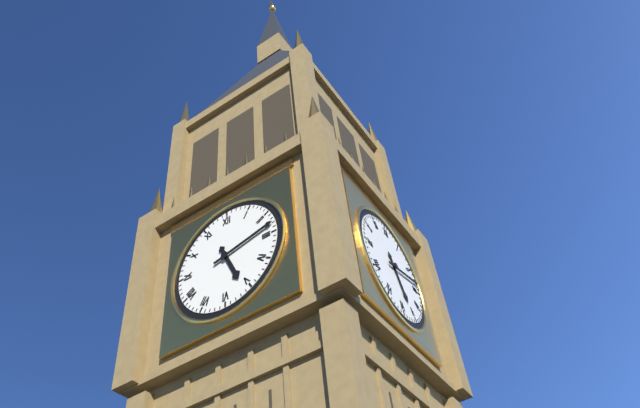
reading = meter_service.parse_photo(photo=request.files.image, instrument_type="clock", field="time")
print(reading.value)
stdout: 5:13
